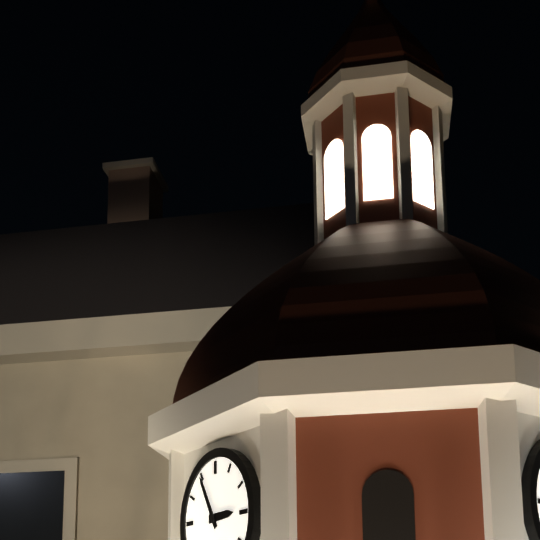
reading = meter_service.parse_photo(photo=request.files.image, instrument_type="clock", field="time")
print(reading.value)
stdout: 2:55
